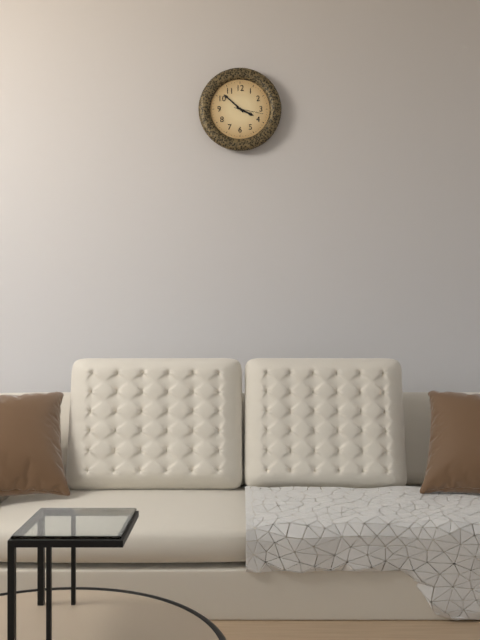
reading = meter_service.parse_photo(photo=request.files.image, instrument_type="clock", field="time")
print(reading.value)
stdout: 3:52
